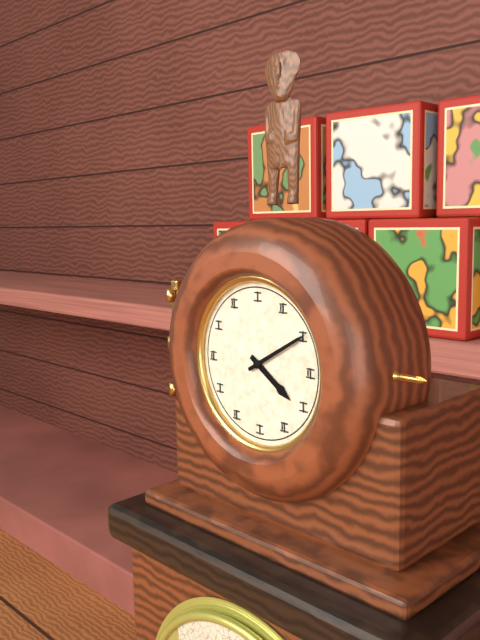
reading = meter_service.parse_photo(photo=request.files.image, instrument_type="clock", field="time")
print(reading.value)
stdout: 4:10
